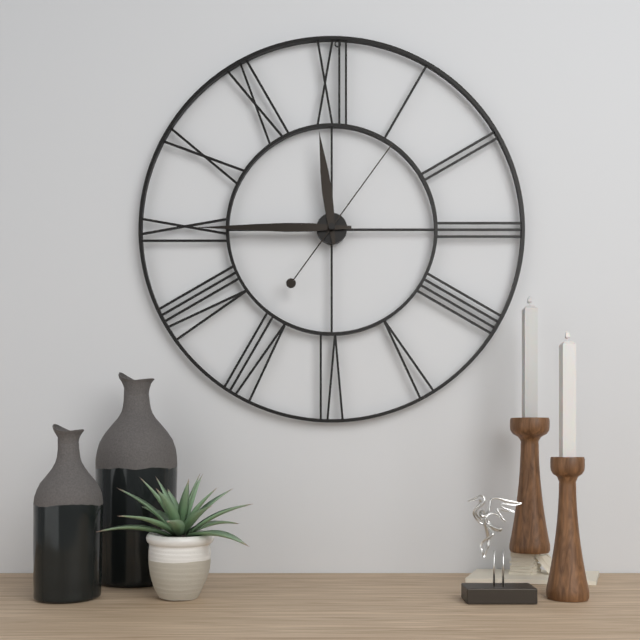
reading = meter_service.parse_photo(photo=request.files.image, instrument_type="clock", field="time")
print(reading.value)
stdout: 11:45:06
